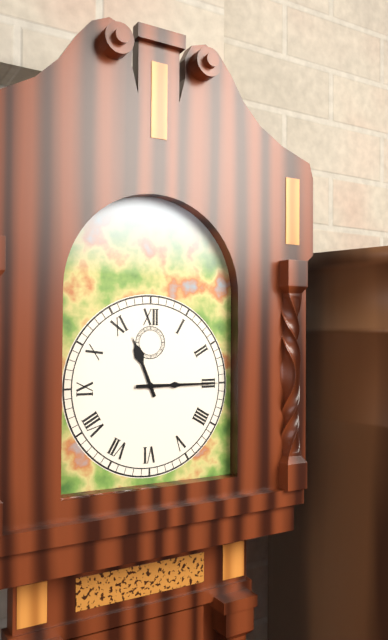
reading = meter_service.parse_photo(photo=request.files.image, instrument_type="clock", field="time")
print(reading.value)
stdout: 11:15
